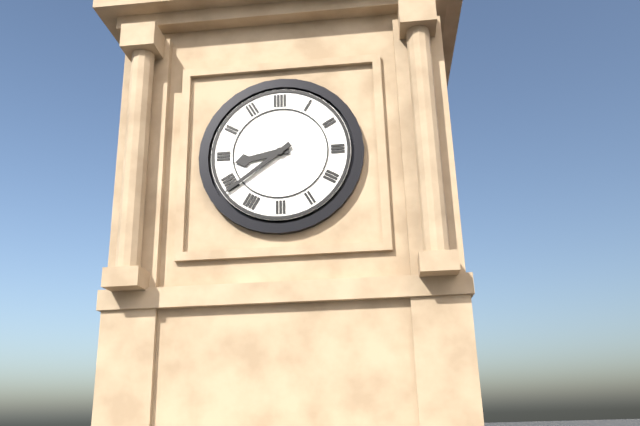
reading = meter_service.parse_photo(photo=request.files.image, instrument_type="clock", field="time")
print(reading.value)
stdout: 8:39
